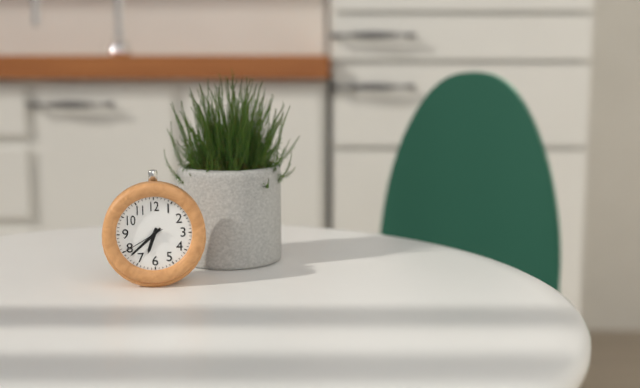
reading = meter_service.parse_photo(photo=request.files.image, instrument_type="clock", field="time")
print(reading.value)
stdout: 6:38
